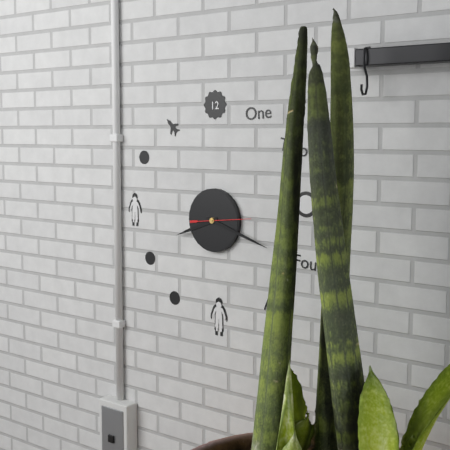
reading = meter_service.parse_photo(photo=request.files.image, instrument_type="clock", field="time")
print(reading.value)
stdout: 8:18
